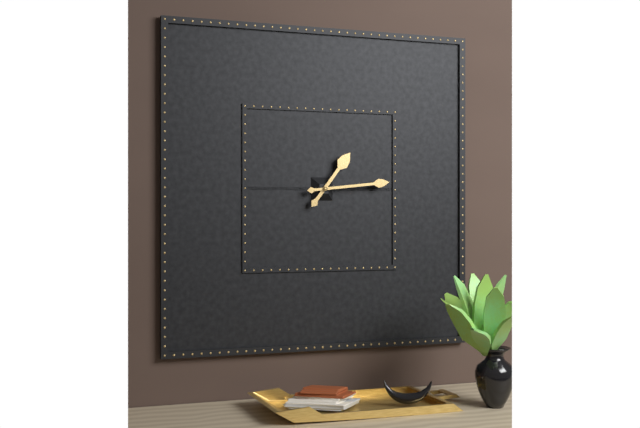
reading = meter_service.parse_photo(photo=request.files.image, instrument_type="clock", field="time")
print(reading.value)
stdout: 1:14
